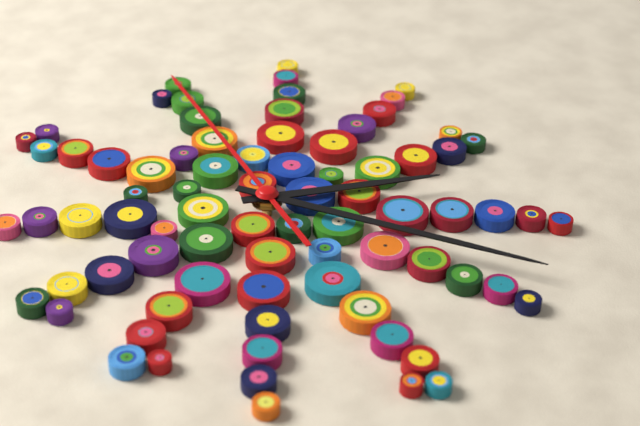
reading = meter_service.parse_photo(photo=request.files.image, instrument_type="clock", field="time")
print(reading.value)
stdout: 3:23:00
